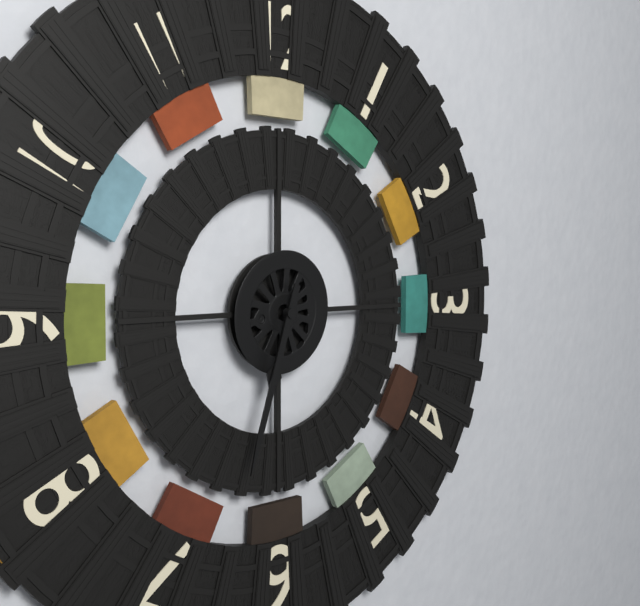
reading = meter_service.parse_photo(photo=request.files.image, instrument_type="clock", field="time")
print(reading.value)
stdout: 6:33
